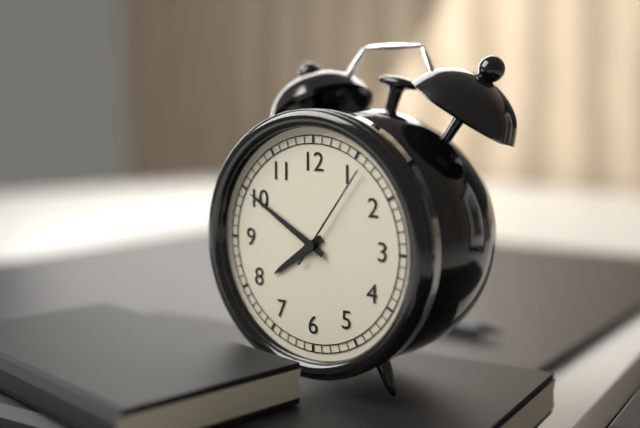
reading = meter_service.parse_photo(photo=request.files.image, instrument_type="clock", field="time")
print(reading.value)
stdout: 7:50:06
